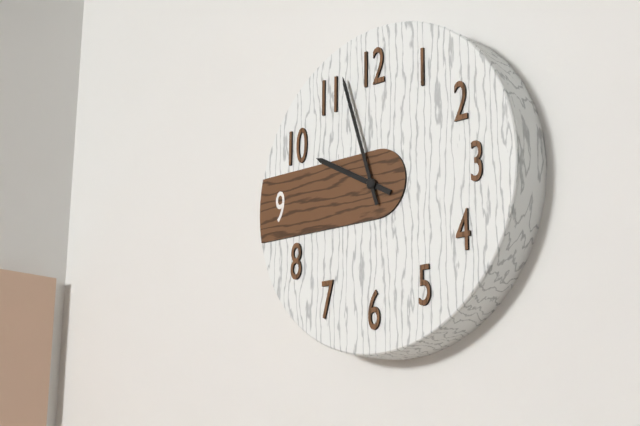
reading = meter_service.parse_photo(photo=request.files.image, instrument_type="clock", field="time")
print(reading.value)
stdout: 9:57
